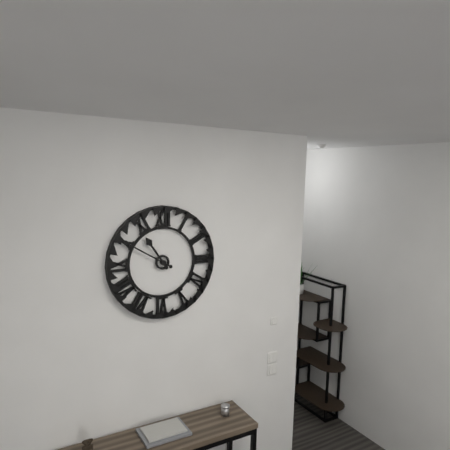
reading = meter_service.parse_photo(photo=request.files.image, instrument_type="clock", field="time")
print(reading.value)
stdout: 10:50
